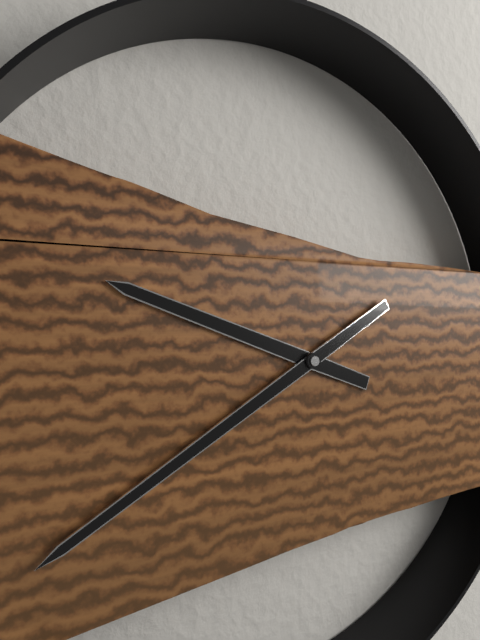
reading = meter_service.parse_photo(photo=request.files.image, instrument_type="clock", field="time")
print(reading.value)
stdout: 9:40
